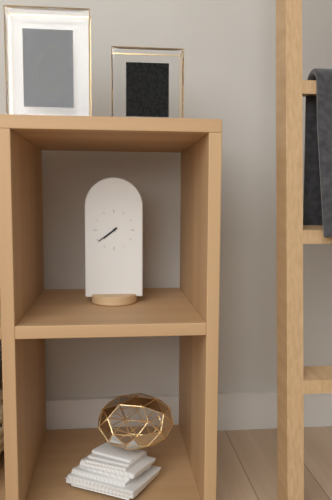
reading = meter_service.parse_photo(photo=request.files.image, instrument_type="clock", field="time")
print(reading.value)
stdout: 7:39
